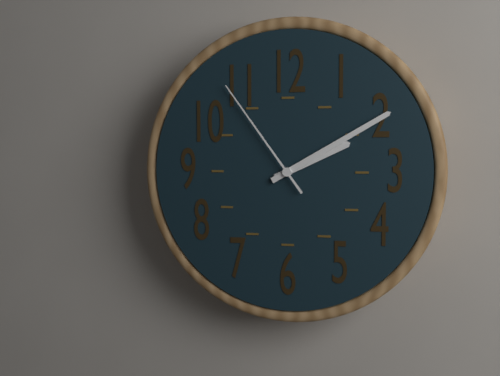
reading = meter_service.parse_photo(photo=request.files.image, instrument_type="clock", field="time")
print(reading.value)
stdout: 2:10:54
